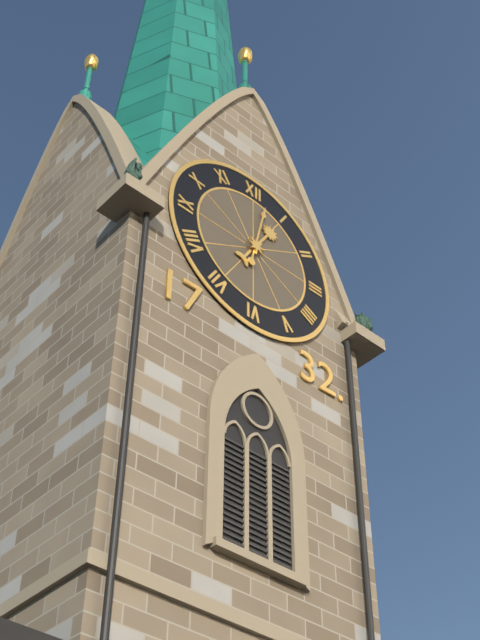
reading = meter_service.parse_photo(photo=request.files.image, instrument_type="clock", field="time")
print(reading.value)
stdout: 1:02
